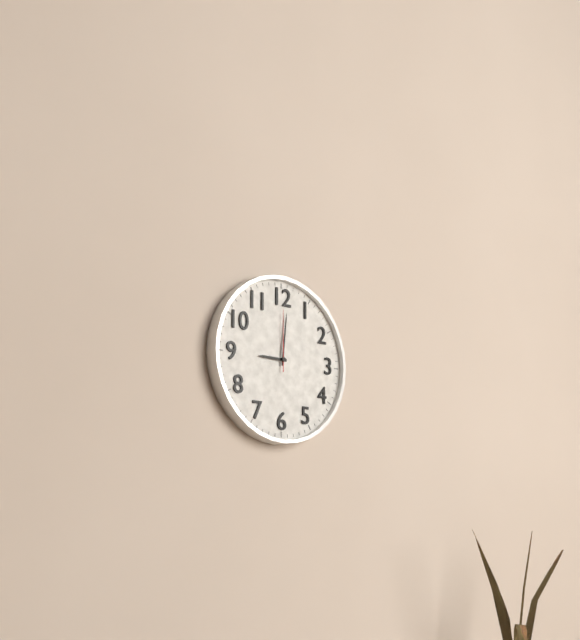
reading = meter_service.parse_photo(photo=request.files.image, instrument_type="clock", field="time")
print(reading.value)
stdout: 9:01:00
